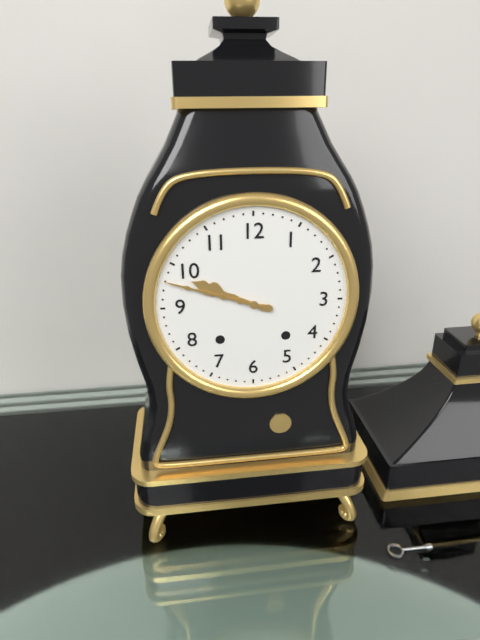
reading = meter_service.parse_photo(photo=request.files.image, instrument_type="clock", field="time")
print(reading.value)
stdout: 9:48
